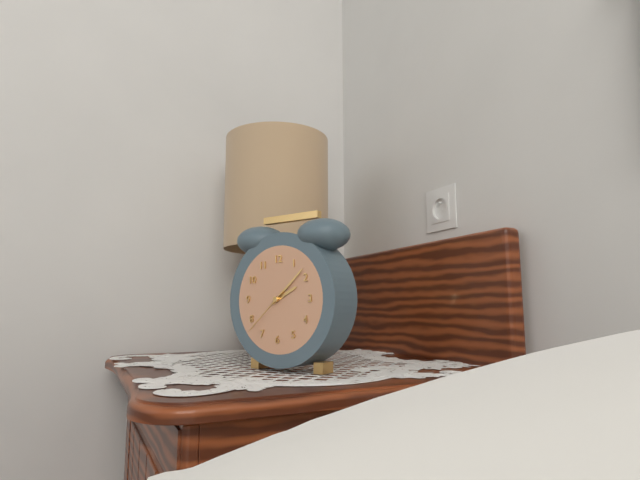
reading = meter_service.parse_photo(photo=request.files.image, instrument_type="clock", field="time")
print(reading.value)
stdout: 2:08:38
